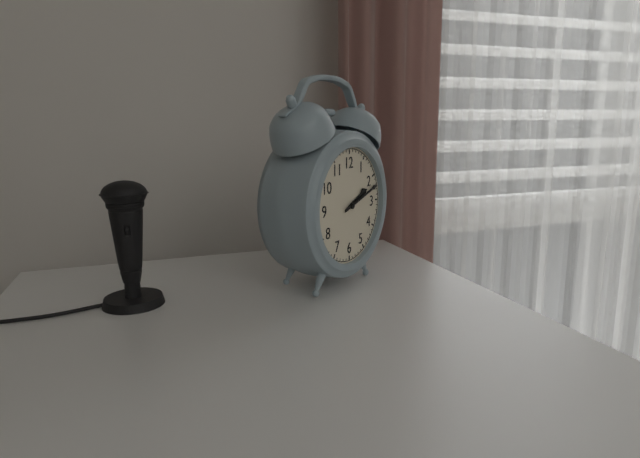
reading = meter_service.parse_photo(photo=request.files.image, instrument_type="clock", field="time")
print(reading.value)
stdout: 2:12
